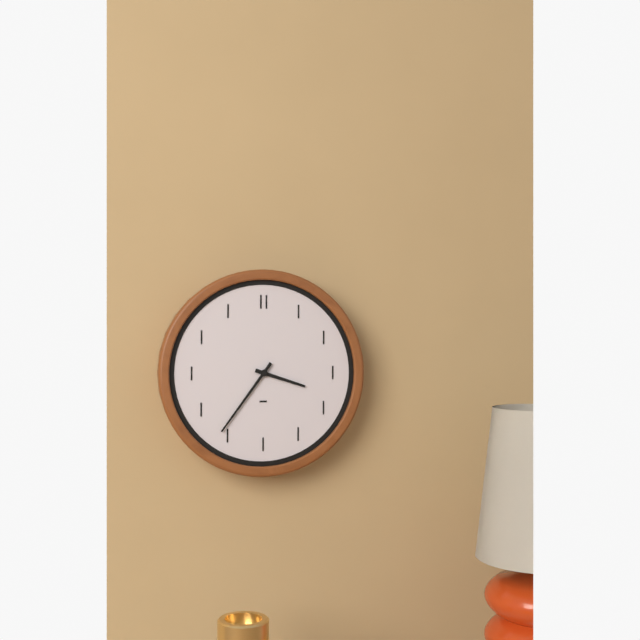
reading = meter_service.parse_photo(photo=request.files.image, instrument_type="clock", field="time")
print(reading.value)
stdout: 3:36
